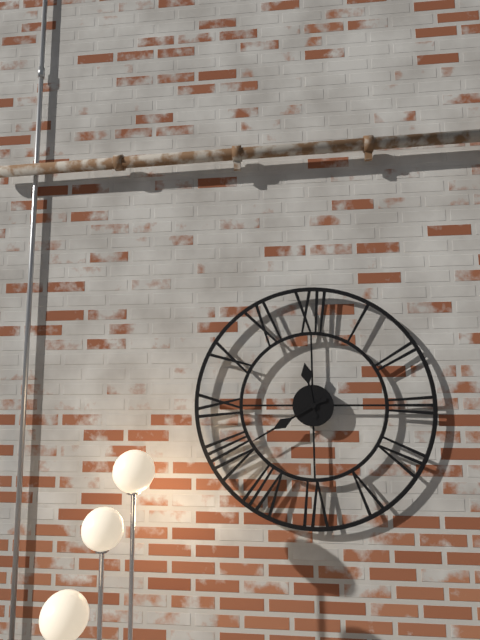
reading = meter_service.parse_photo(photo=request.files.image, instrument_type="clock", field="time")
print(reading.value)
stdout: 11:40
